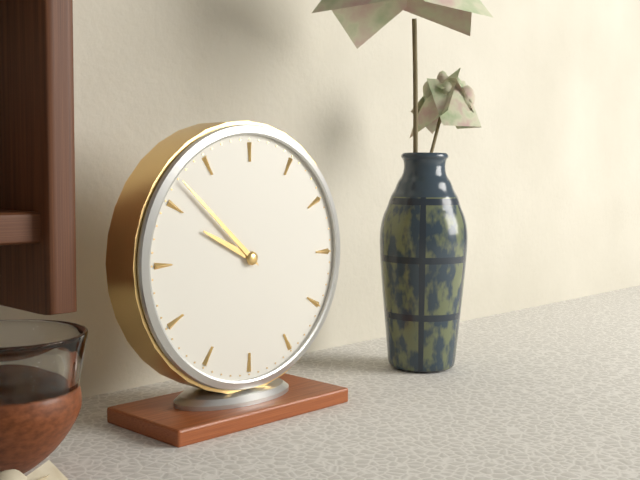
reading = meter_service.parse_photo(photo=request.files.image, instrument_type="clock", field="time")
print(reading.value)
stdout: 9:52
